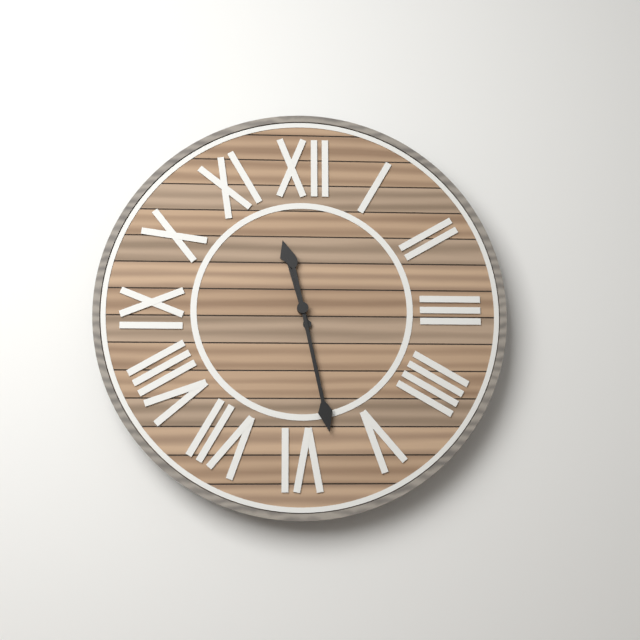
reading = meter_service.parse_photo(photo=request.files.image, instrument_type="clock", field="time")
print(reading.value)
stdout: 11:28
